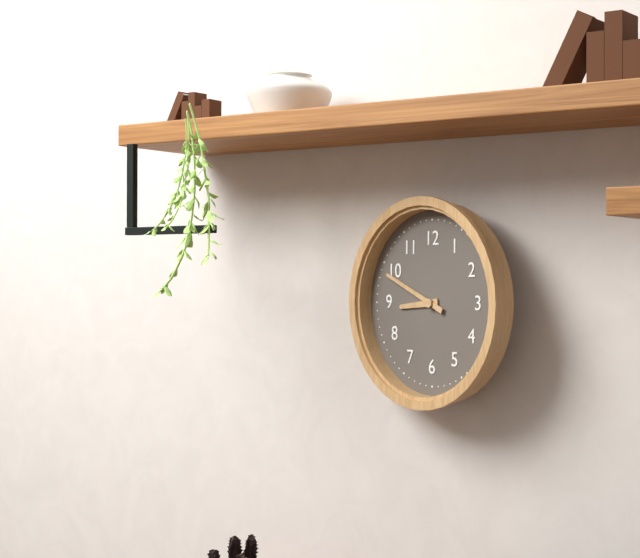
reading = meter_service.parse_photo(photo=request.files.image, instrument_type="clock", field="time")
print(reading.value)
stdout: 8:49
